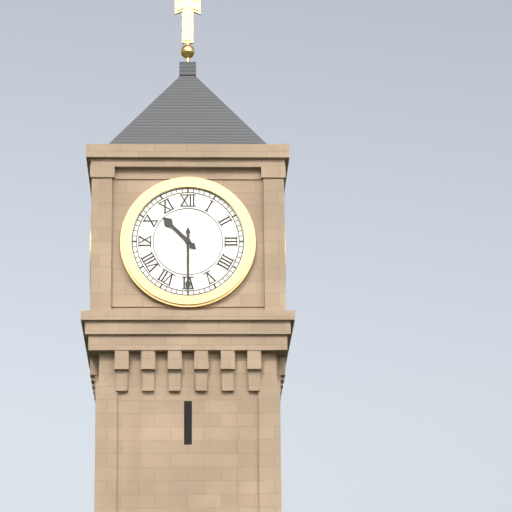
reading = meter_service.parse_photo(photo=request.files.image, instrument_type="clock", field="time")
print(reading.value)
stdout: 10:30
